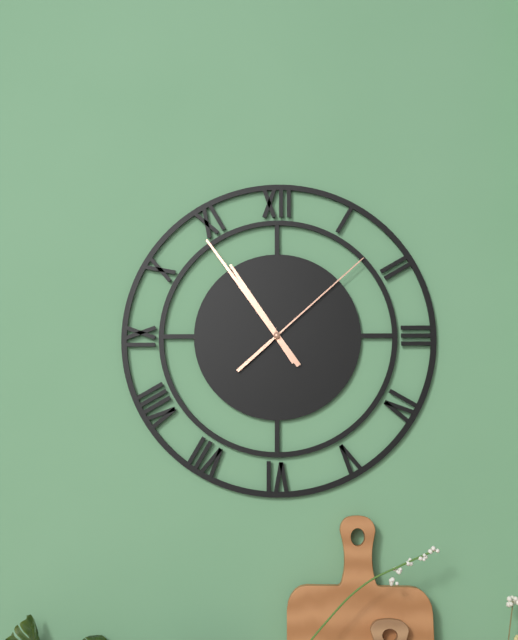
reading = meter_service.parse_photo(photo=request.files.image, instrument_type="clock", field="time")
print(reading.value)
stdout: 10:54:08
